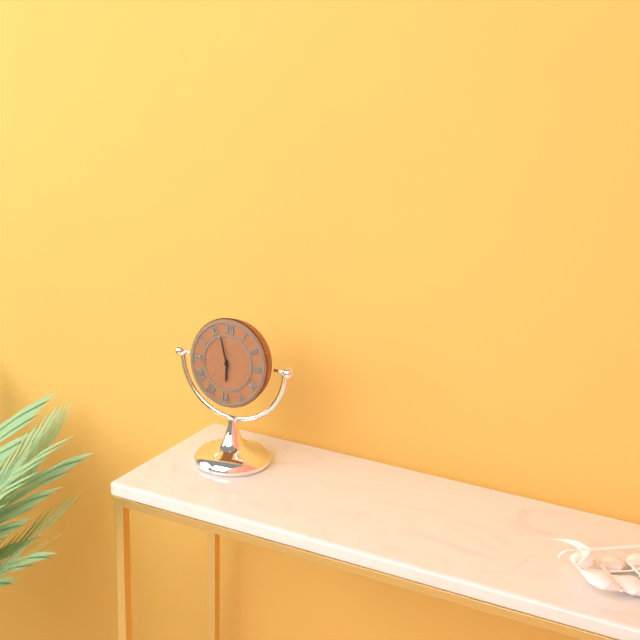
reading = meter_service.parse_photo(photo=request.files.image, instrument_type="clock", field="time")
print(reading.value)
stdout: 5:57
